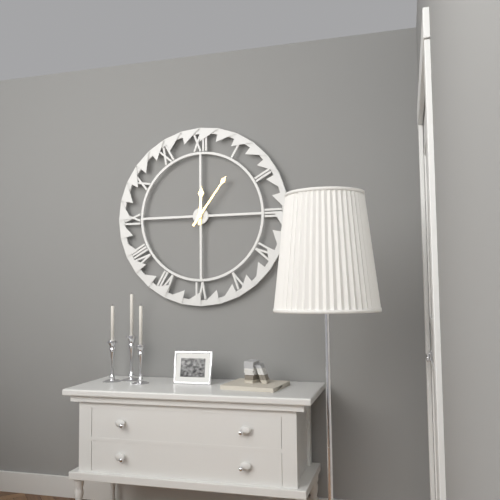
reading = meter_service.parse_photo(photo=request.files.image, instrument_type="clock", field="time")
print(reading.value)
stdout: 12:06
